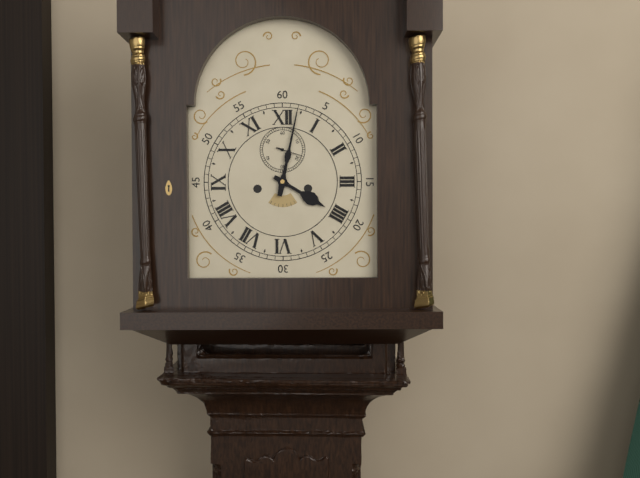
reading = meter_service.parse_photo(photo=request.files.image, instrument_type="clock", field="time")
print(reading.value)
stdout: 4:02
